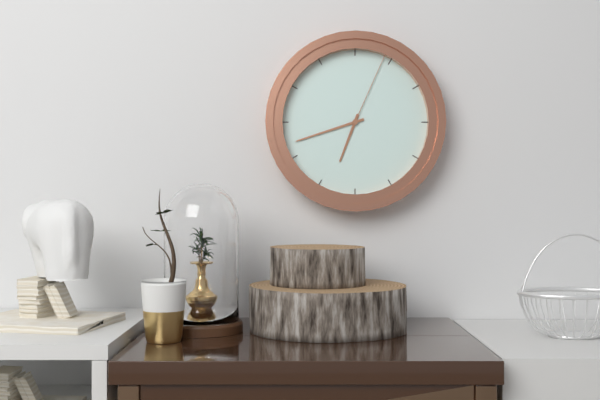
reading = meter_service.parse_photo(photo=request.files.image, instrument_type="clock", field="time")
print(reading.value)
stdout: 6:42:04
